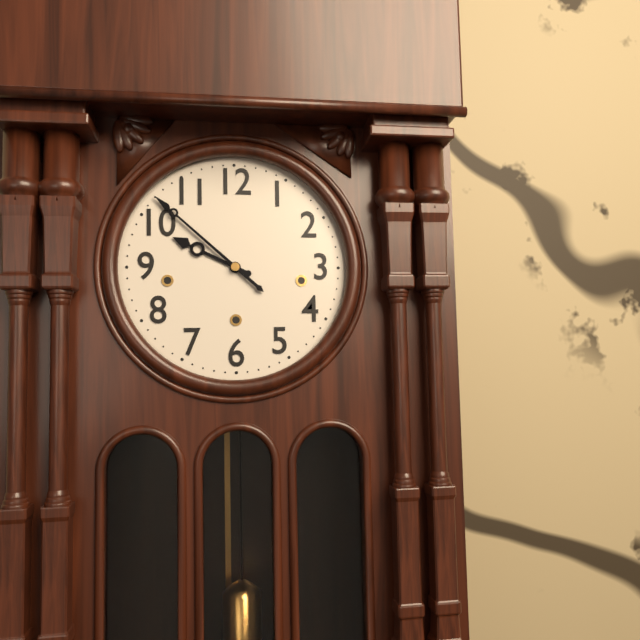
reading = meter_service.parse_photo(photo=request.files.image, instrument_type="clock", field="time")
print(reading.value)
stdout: 9:52
